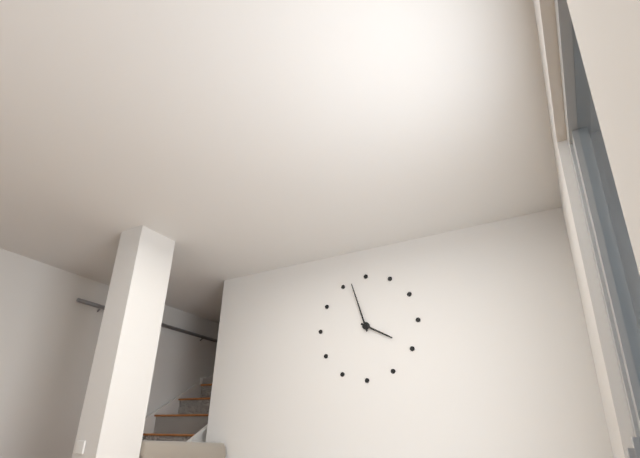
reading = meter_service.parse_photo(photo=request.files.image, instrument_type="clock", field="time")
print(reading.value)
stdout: 3:57
